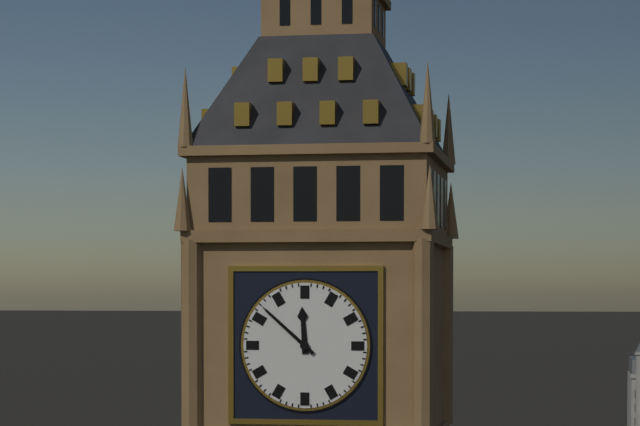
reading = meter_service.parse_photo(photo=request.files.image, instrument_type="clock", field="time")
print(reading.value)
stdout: 11:52
